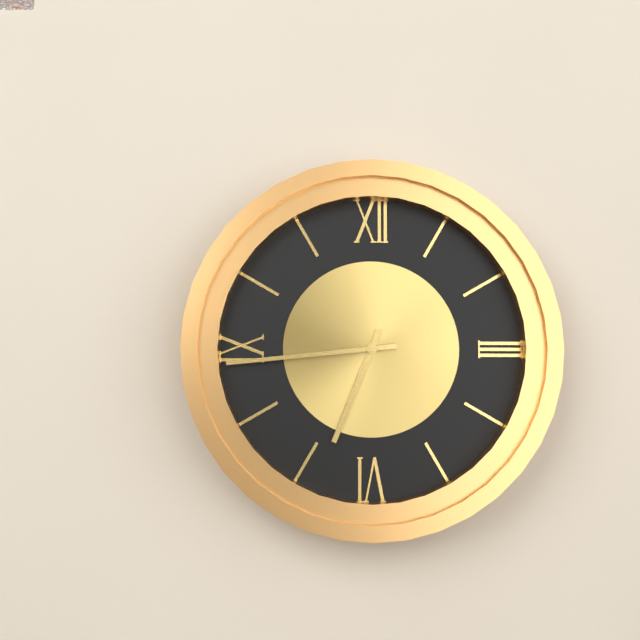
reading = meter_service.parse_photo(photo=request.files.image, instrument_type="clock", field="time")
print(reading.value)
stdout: 6:44
